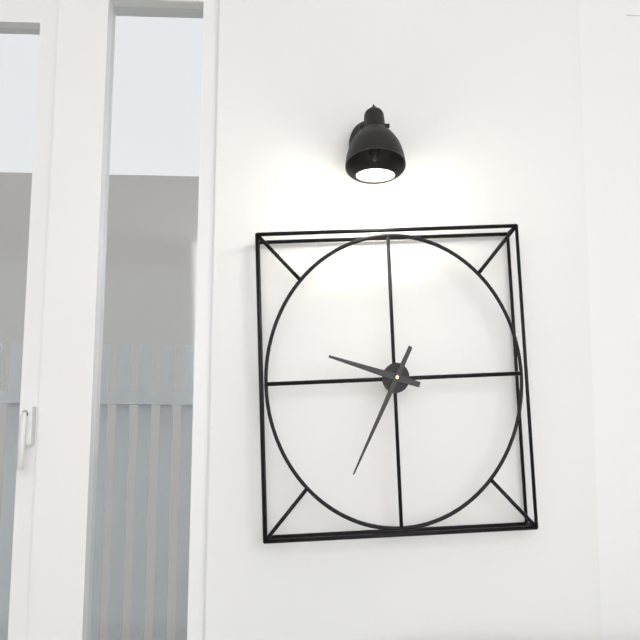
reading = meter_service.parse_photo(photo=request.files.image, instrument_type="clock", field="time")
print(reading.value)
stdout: 9:35
